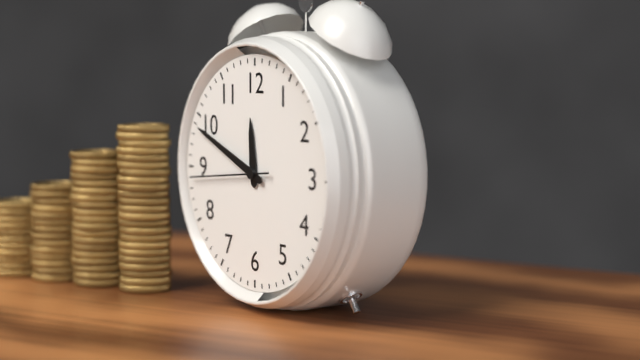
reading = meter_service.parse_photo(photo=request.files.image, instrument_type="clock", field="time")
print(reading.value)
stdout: 11:49:44
